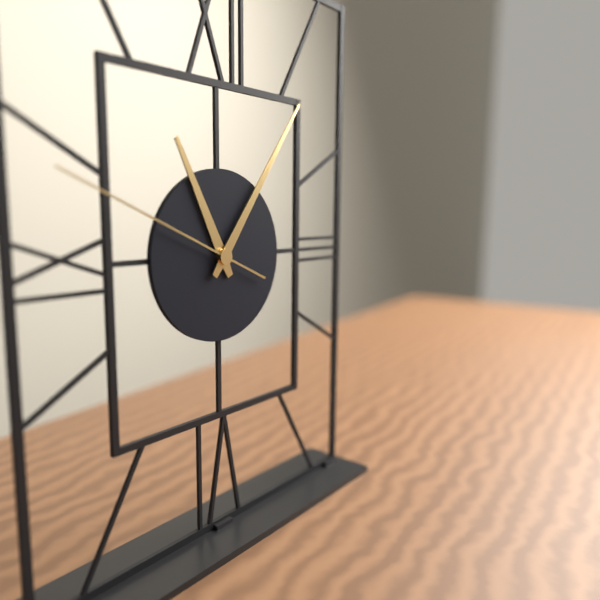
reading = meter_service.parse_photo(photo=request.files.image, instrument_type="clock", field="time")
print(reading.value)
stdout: 11:06:49
